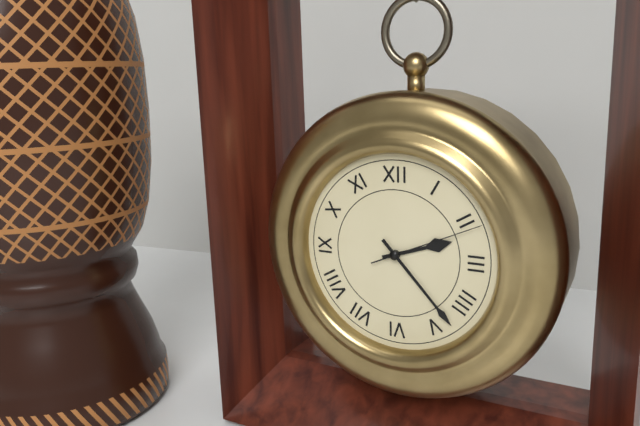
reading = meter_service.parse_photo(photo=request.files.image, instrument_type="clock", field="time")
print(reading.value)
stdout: 2:23:11
